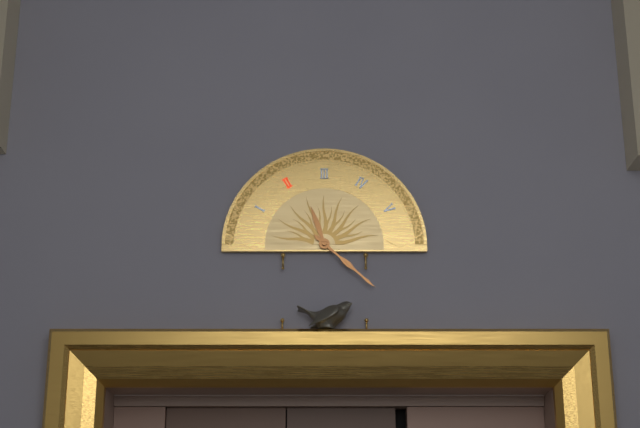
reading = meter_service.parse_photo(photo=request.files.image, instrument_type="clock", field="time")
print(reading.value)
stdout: 11:22
